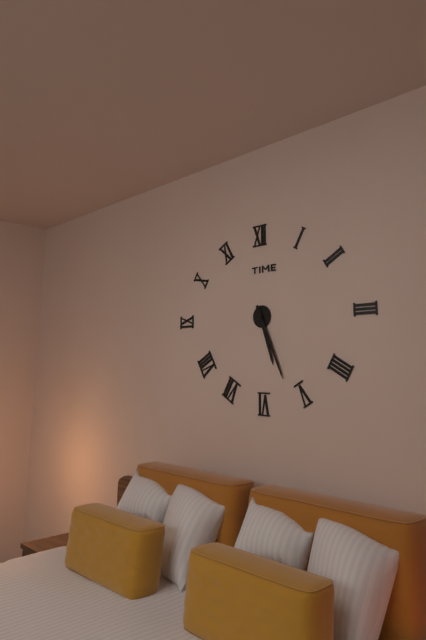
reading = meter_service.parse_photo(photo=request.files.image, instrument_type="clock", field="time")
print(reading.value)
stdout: 5:26
